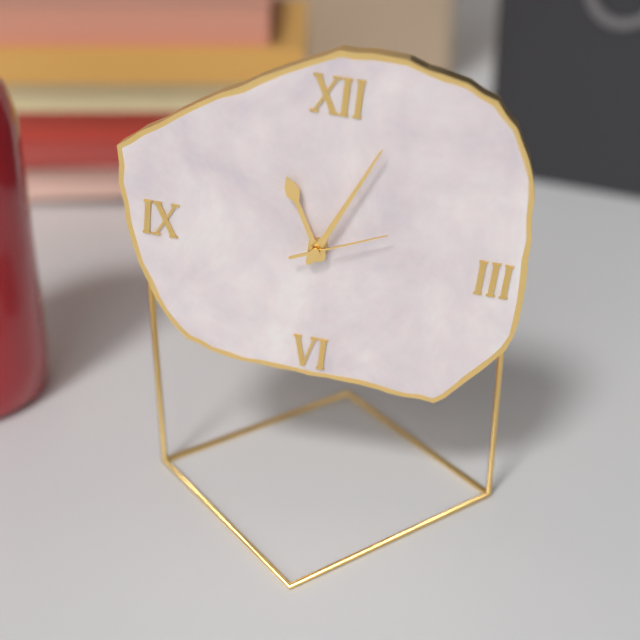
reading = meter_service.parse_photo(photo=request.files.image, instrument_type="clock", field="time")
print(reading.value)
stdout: 11:04:11
